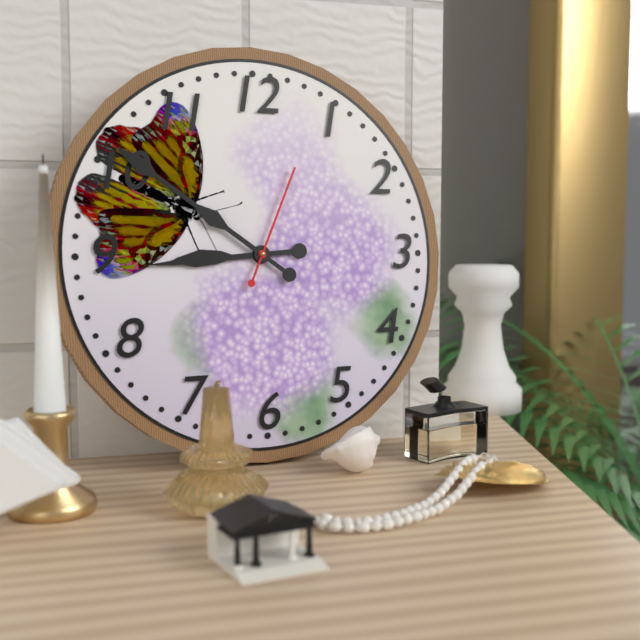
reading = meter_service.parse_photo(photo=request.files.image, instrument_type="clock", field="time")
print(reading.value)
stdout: 8:51:04
